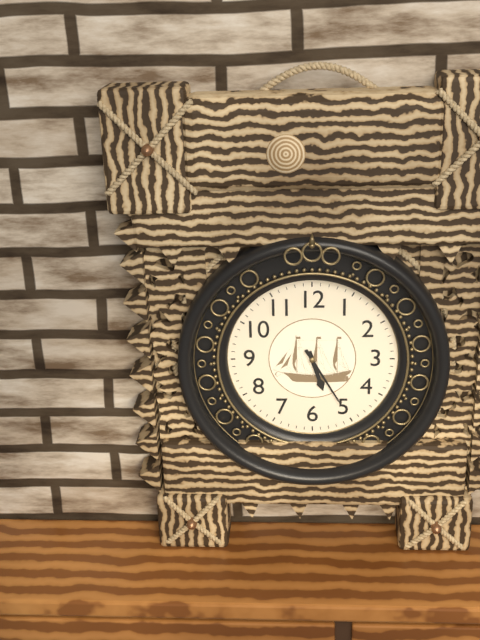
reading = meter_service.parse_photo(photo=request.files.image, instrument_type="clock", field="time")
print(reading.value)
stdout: 5:25
